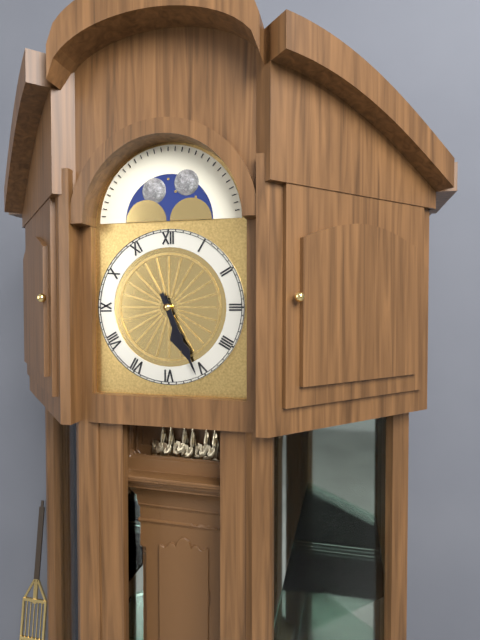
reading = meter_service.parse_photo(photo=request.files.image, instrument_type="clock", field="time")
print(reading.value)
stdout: 5:26
